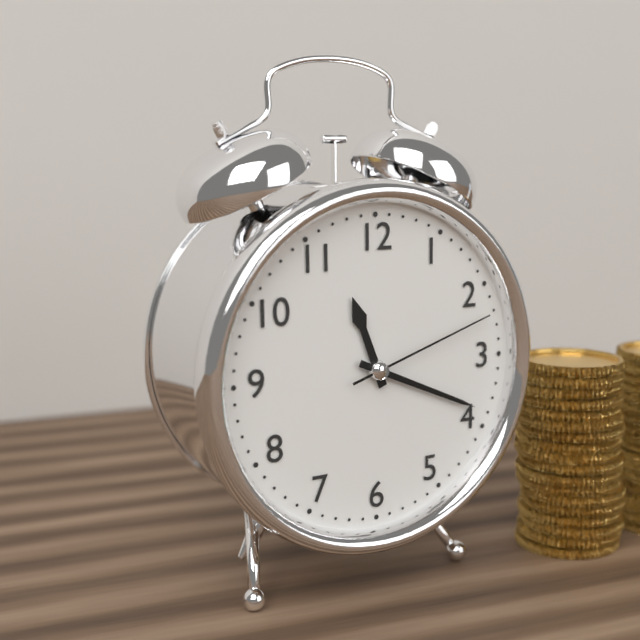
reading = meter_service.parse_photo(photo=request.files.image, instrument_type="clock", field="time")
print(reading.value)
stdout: 11:19:12
